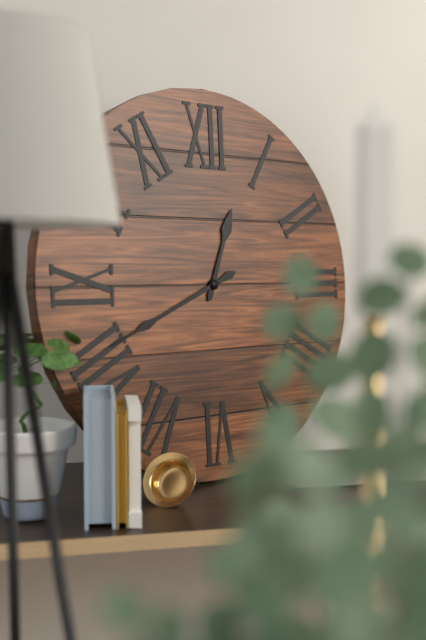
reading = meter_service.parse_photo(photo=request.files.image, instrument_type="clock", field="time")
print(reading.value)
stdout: 12:41
